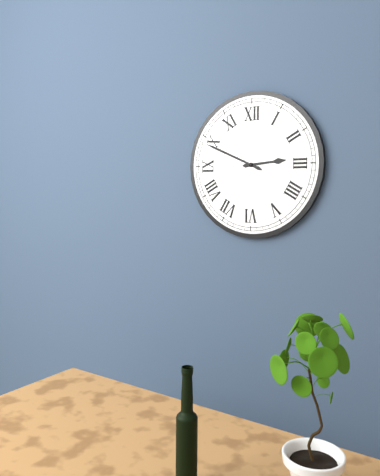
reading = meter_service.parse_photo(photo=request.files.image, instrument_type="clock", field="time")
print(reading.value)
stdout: 2:49
